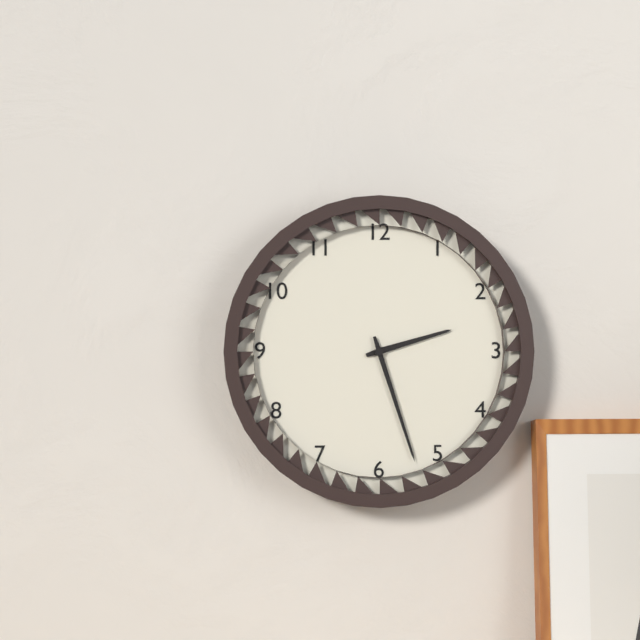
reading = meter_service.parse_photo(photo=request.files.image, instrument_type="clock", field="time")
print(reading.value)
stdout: 2:27
